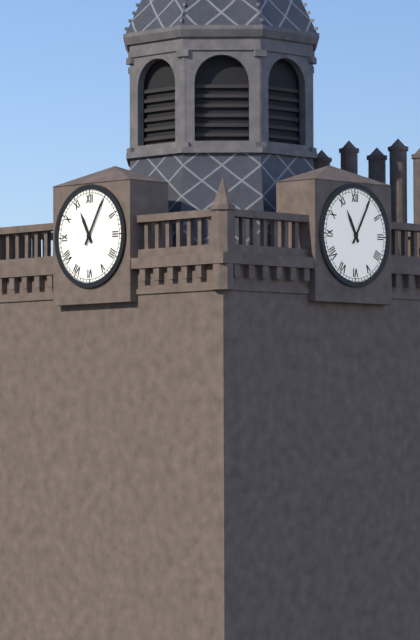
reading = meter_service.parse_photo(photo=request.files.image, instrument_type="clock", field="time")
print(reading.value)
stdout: 11:05
